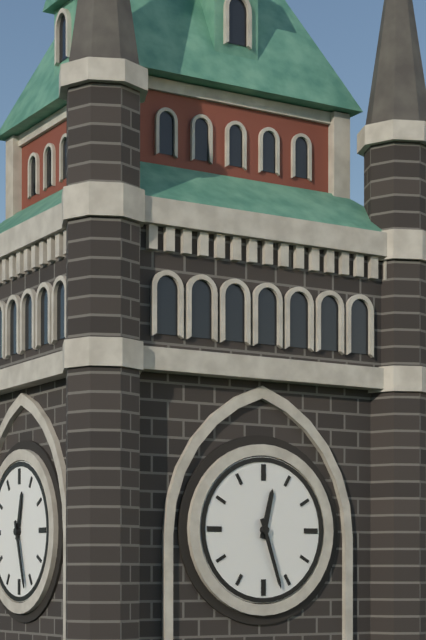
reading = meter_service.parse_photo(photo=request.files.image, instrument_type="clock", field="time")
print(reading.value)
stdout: 12:27
